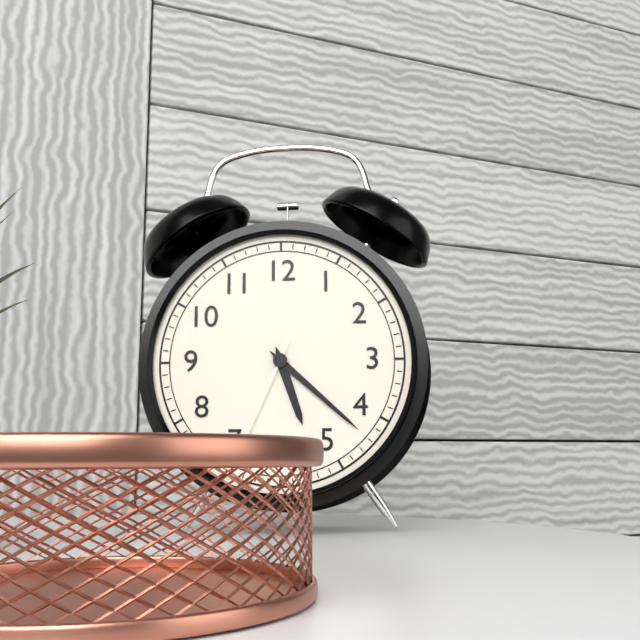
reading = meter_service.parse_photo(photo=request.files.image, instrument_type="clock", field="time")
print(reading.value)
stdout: 5:22:34
